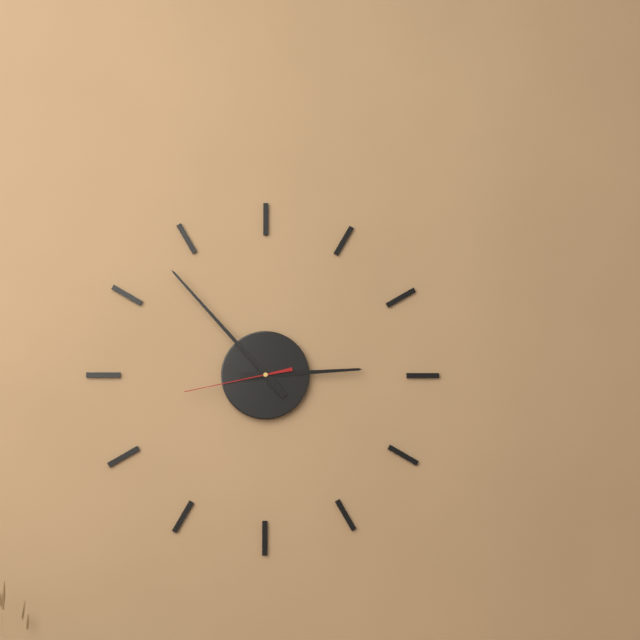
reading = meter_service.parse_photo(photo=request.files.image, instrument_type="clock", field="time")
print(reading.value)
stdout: 2:53:43
